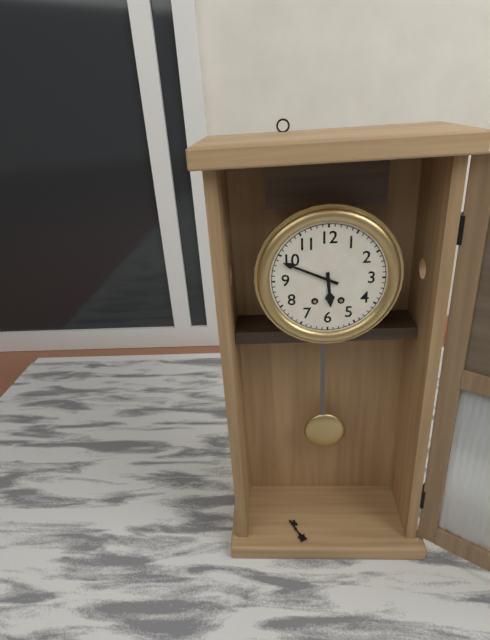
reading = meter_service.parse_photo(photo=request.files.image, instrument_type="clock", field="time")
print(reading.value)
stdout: 5:49
